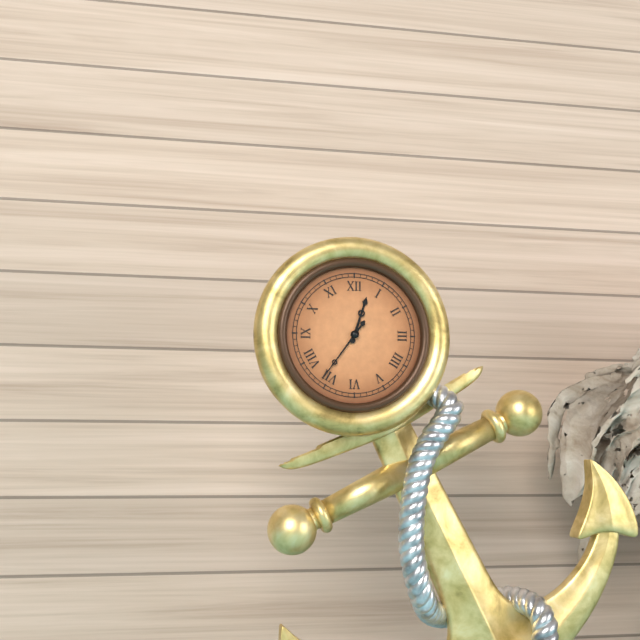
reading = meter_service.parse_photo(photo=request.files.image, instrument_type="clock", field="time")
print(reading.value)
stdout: 12:36
